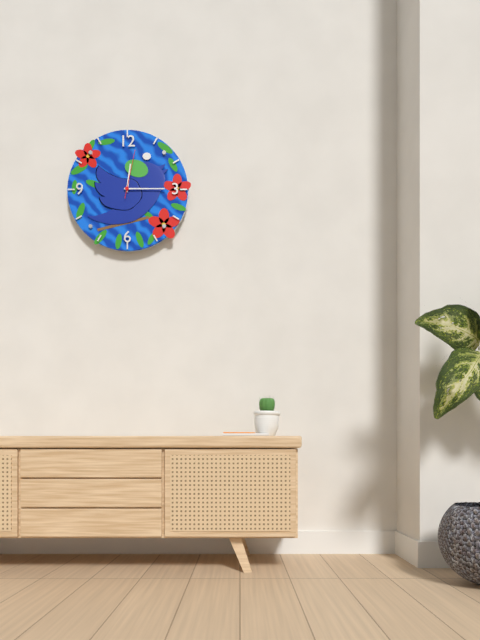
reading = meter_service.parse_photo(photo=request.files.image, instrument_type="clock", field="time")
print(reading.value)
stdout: 12:15:02
